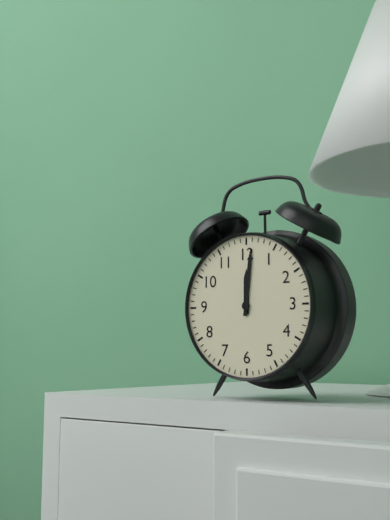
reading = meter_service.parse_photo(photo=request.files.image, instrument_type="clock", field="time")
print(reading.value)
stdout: 12:01
